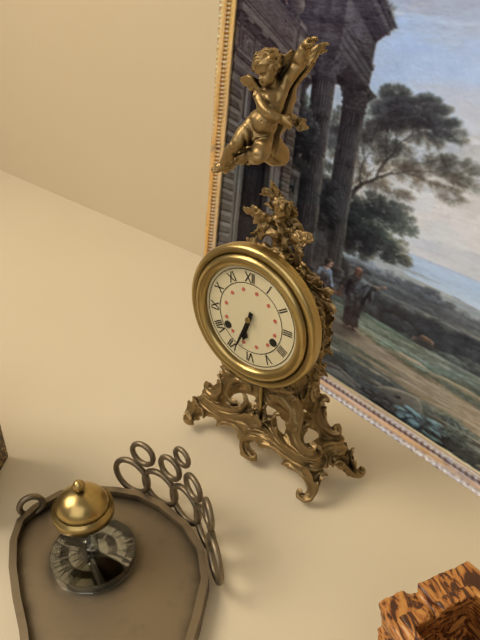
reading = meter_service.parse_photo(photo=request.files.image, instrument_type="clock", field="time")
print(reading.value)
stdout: 6:34
